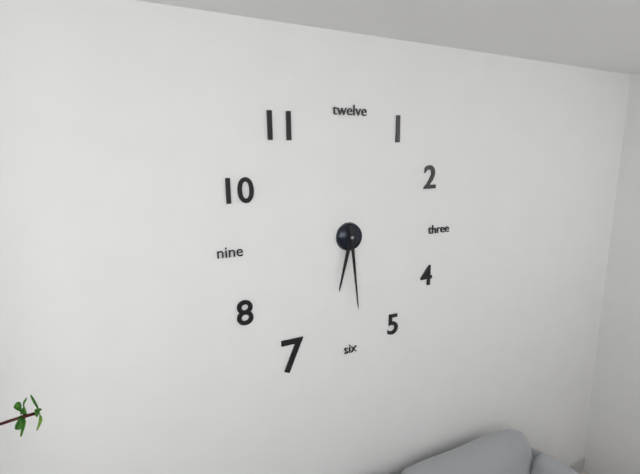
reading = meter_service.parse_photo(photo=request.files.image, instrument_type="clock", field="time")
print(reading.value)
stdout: 6:29
